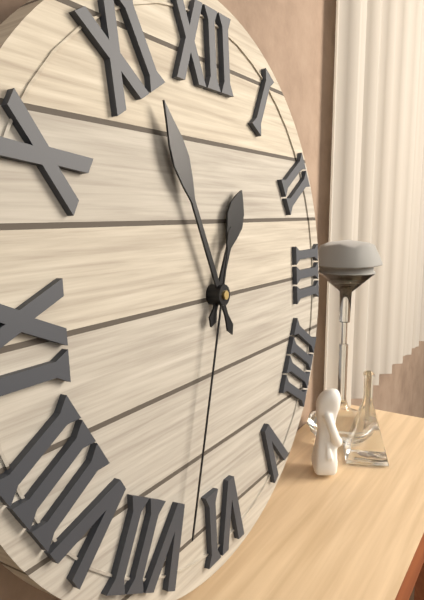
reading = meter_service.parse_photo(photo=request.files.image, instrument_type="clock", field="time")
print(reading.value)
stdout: 12:56:33
